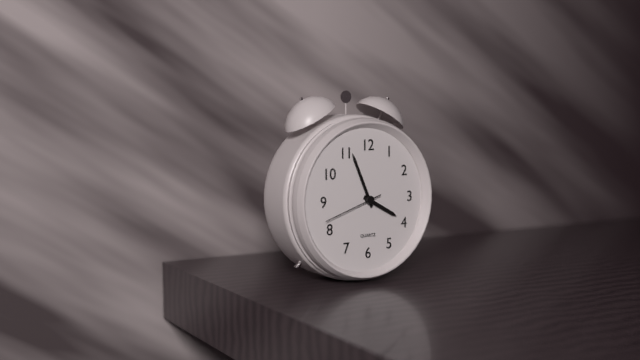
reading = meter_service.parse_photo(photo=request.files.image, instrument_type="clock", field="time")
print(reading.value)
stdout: 3:56:42
